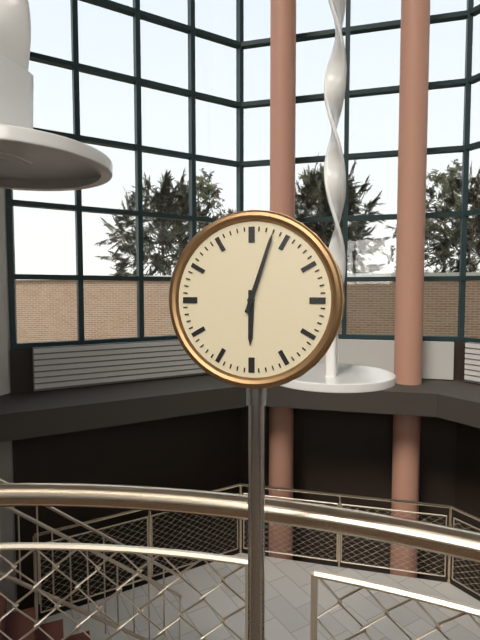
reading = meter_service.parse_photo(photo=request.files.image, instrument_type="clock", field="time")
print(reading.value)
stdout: 6:03
